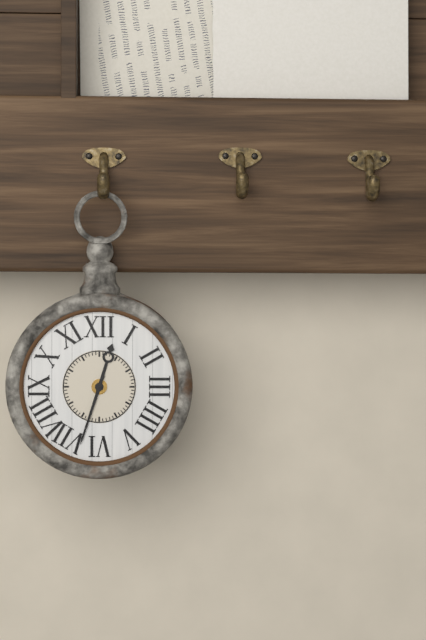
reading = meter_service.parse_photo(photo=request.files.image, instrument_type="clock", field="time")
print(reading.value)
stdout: 12:33
